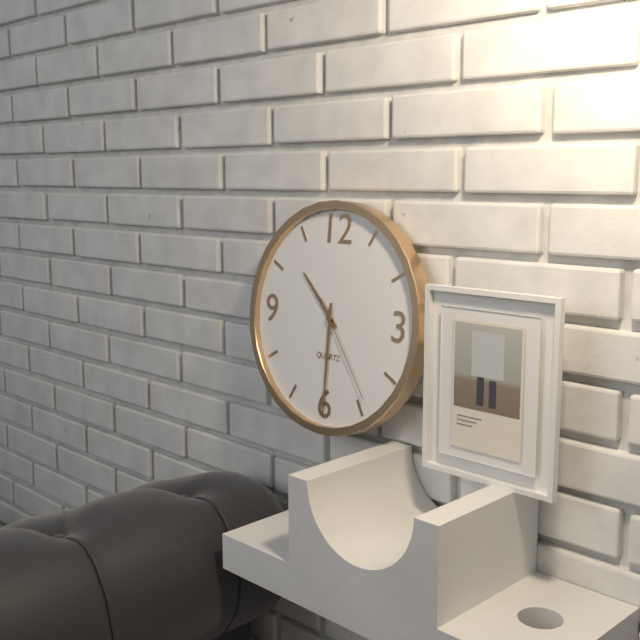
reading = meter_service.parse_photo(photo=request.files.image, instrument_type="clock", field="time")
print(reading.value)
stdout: 10:30:24
